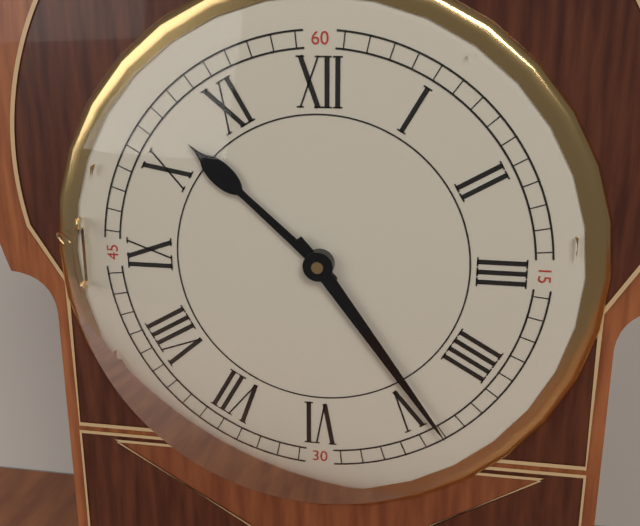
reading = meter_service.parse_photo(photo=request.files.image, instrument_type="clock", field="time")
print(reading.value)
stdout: 10:24
